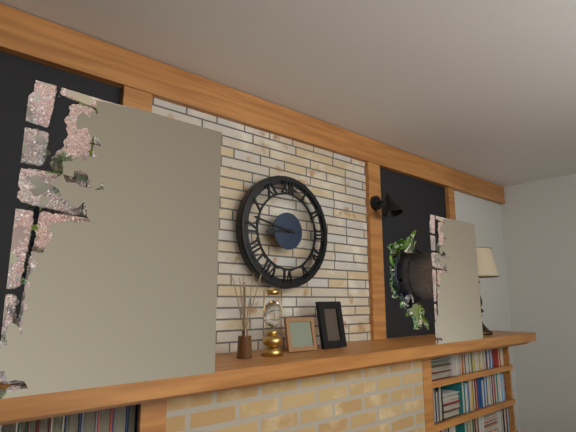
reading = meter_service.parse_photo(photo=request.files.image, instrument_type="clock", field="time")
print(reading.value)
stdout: 8:47
